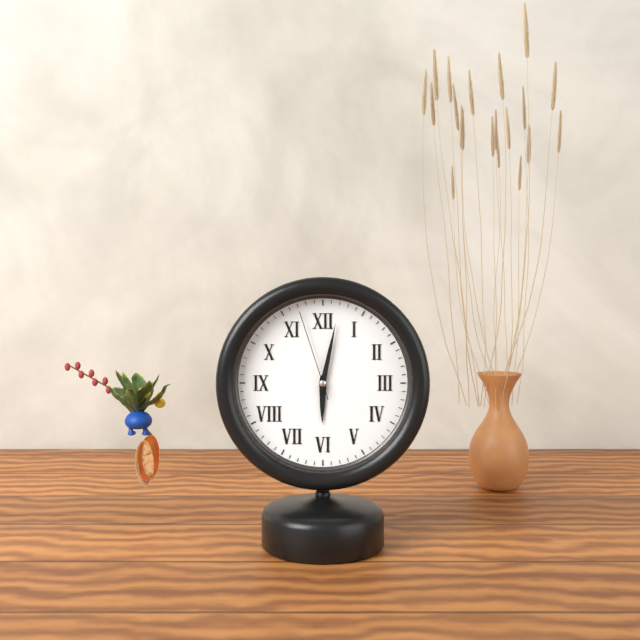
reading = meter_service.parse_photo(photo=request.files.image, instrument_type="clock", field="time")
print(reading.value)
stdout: 6:02:57
